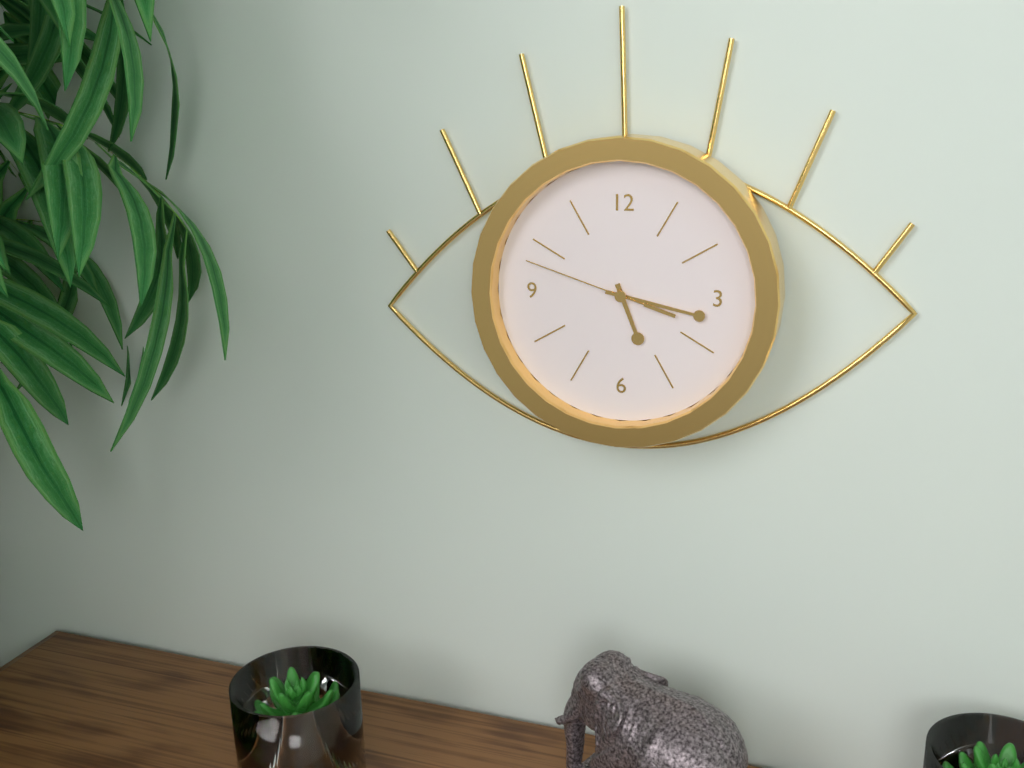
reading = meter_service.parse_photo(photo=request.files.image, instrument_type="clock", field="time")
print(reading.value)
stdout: 5:17:48
